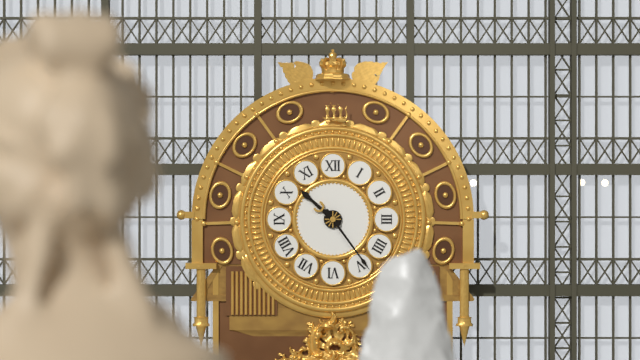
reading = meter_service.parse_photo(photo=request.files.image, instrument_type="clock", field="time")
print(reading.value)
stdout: 10:24
